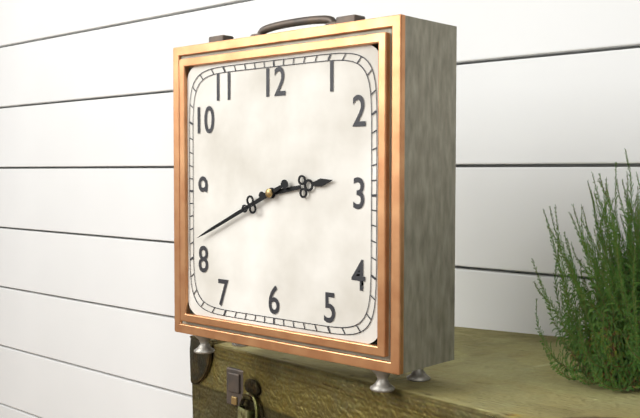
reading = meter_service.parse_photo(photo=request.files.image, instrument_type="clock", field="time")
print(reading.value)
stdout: 2:41
